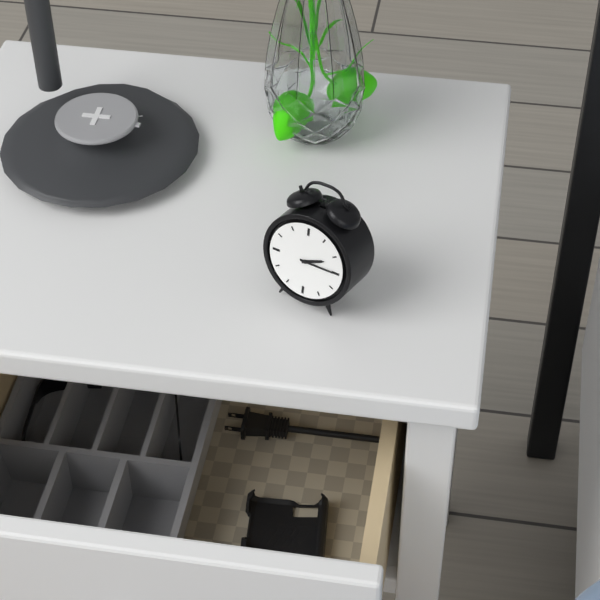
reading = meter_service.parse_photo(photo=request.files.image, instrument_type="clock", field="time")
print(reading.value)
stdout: 2:15
